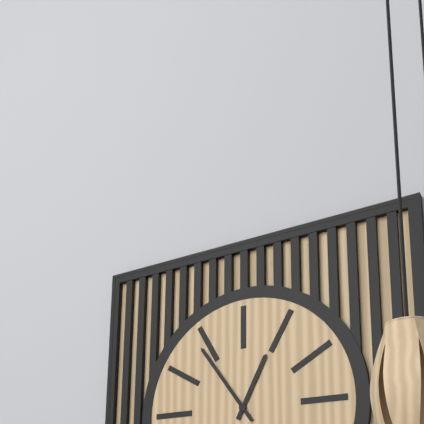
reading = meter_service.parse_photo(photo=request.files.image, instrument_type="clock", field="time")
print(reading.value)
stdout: 12:54
